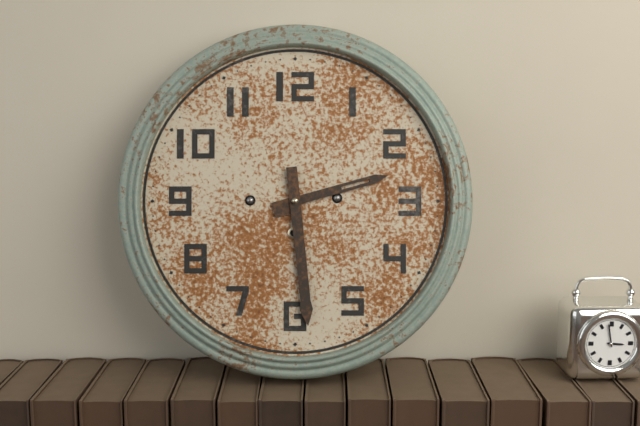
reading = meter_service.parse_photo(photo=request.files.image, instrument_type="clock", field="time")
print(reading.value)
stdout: 2:29
